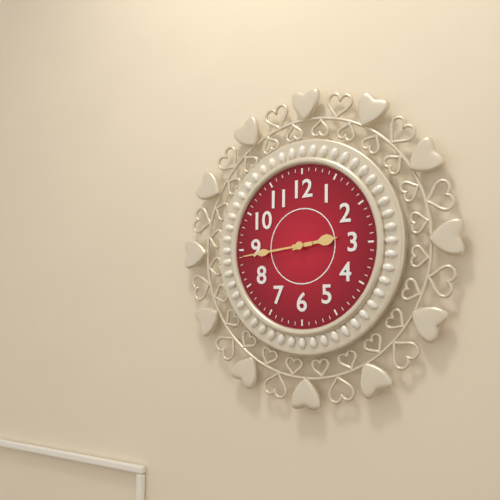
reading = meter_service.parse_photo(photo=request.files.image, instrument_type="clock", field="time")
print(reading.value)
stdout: 2:44
